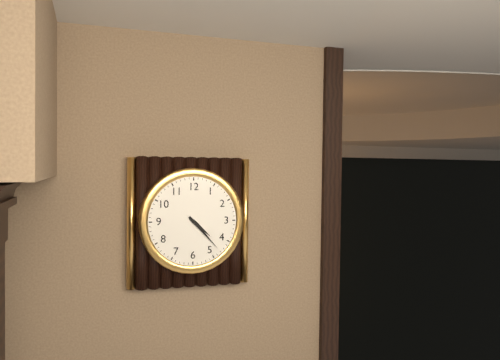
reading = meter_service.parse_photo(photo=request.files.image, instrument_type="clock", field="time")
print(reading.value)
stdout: 4:23
